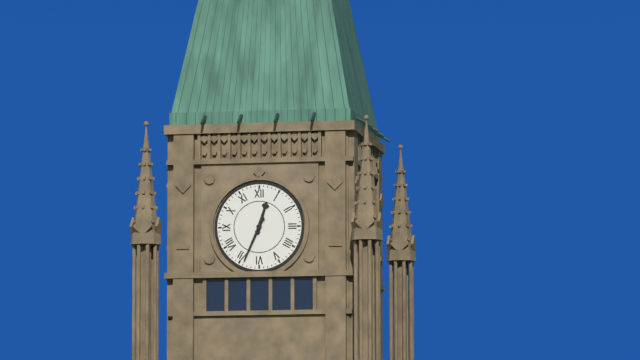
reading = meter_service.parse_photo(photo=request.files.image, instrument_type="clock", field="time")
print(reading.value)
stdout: 12:34
